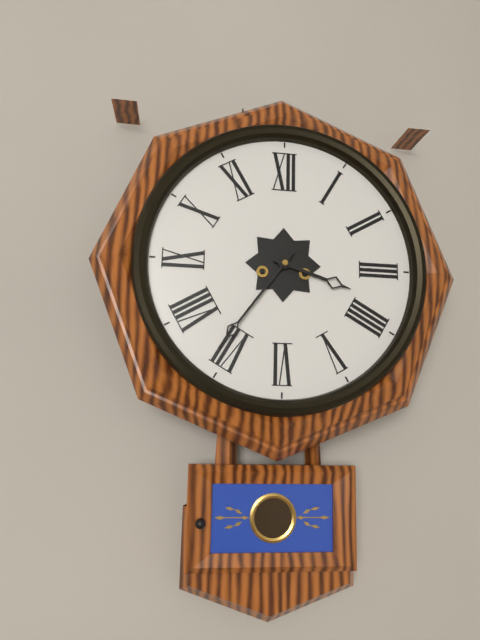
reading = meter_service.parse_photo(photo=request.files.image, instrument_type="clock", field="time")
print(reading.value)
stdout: 3:36
